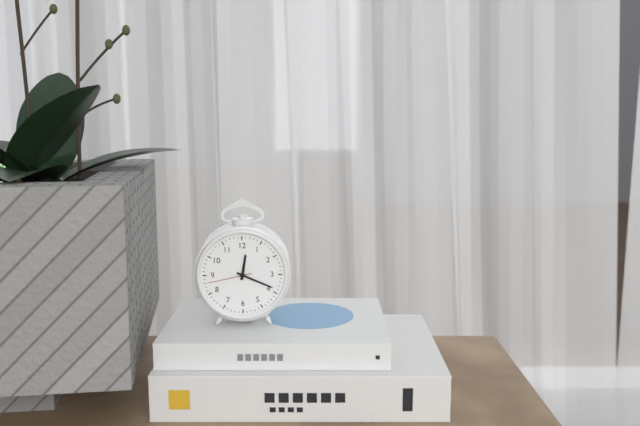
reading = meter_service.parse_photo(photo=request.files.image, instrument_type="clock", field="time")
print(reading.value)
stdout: 12:19
